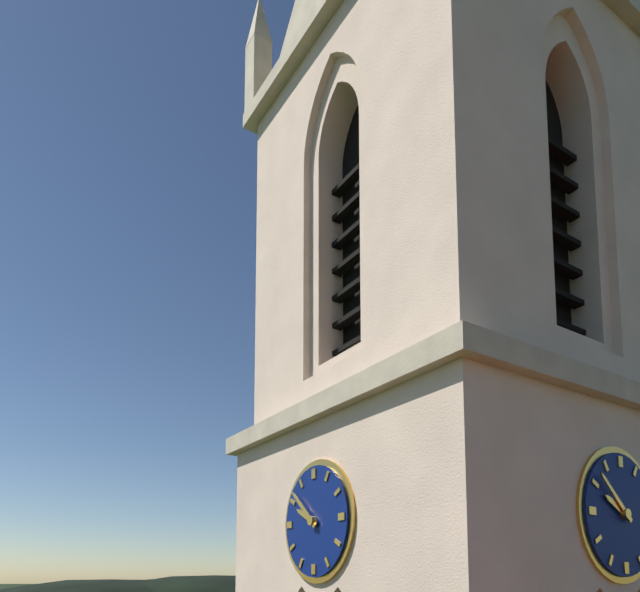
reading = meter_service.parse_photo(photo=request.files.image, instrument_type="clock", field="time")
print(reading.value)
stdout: 9:52
